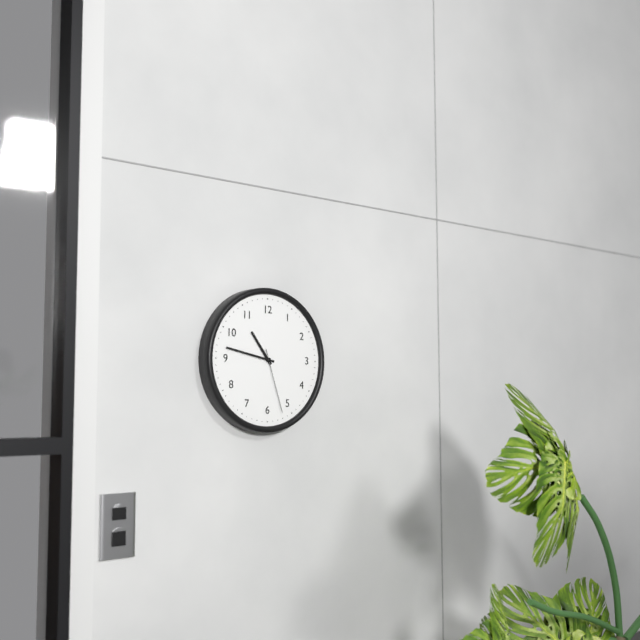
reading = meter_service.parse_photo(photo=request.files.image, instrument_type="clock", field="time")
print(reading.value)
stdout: 10:47:27
